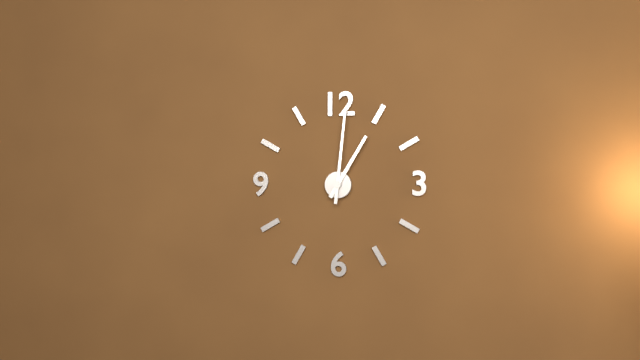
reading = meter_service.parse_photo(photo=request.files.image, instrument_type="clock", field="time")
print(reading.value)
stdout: 1:01
